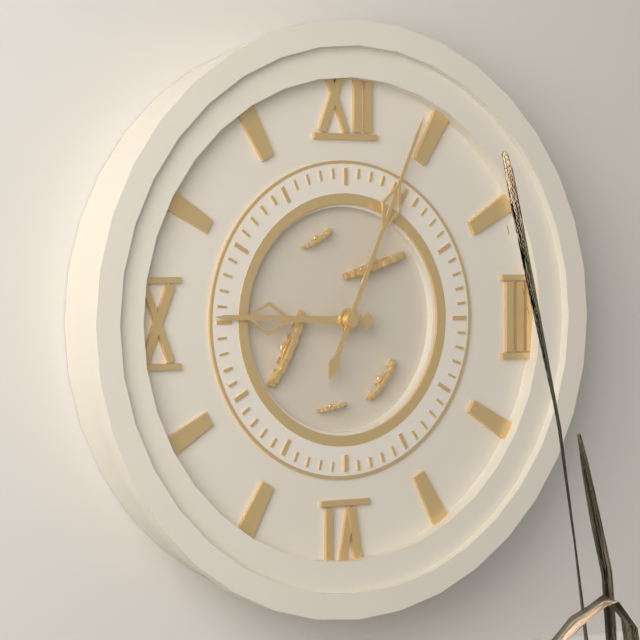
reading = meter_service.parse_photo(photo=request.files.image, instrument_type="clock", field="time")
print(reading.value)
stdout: 9:04
